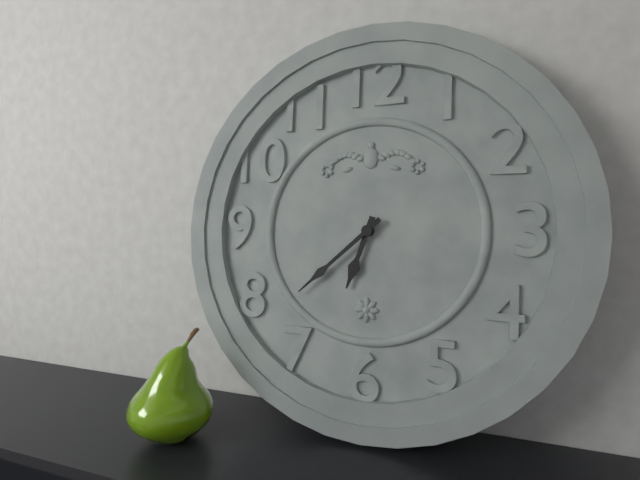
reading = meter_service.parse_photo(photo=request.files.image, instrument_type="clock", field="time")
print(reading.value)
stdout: 6:38
